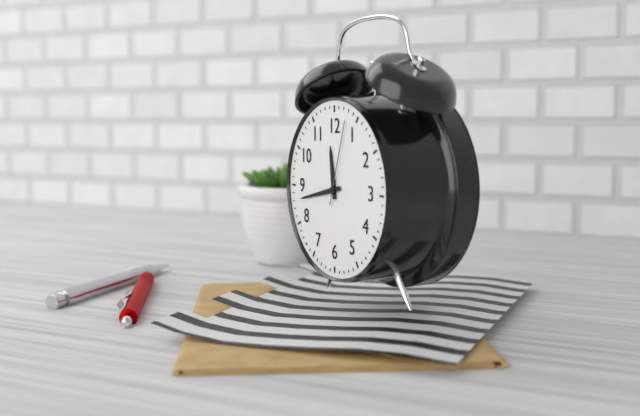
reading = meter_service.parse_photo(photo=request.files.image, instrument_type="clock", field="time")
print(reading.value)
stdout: 11:43:03
